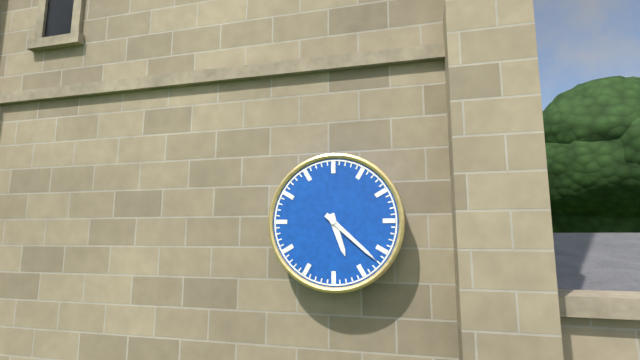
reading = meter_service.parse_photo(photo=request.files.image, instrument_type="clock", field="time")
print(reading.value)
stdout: 5:22
